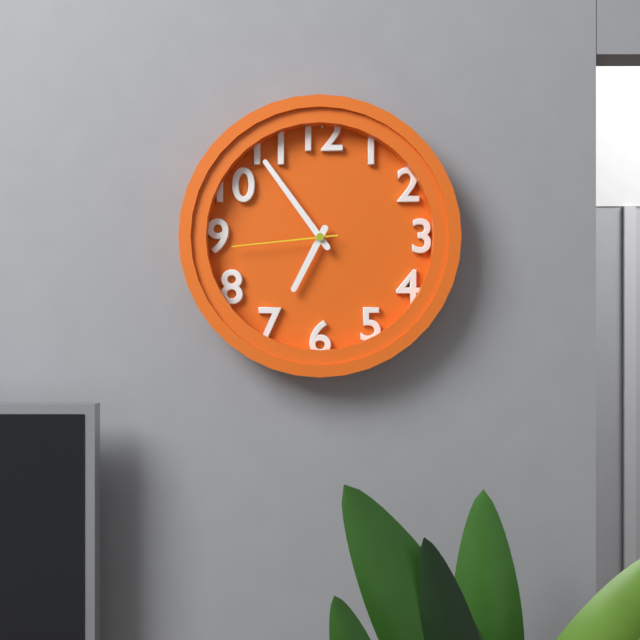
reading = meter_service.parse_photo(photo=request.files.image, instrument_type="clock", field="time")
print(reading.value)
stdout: 6:54:44
